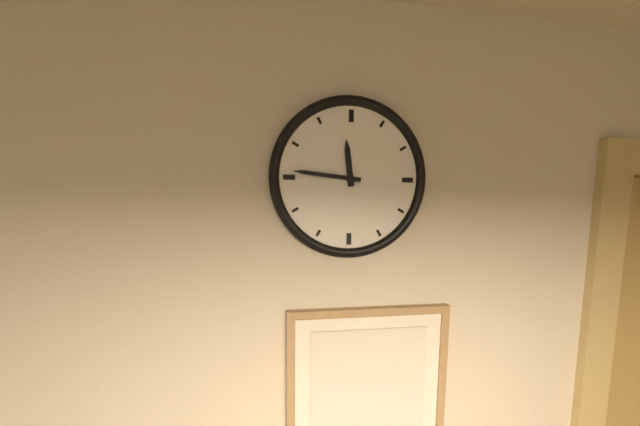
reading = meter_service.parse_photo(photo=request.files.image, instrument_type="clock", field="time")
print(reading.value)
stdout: 11:46
